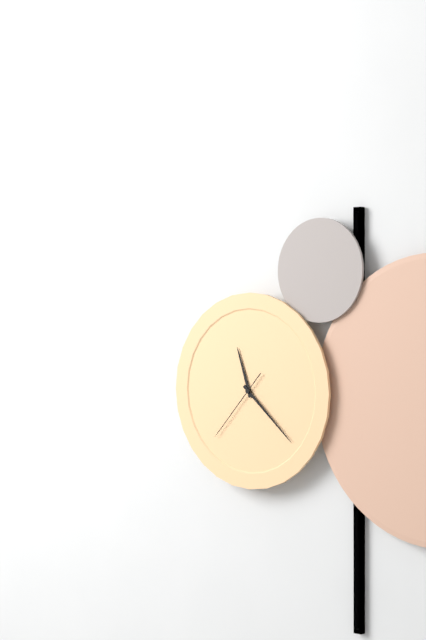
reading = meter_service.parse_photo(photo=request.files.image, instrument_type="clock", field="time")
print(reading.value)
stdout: 11:22:37
